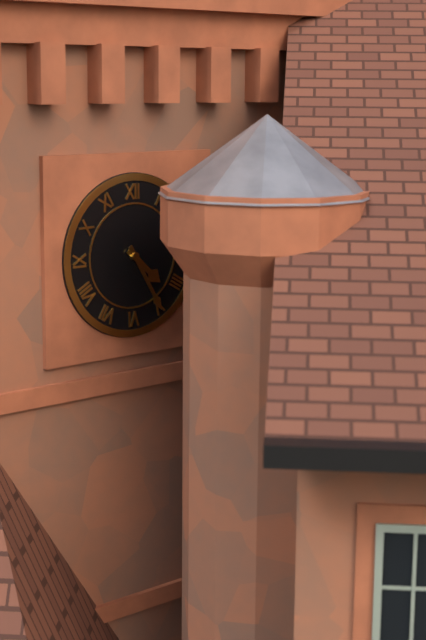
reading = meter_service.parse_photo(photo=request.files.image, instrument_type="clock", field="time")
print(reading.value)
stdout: 4:25
